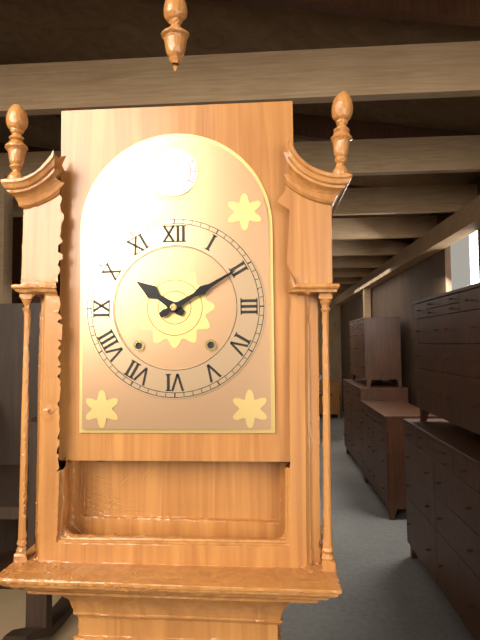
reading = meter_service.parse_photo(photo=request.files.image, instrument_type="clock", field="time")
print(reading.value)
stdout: 10:10
